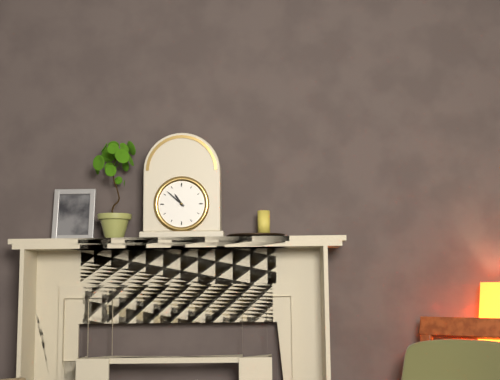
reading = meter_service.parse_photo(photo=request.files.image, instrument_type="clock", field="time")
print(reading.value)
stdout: 10:52
